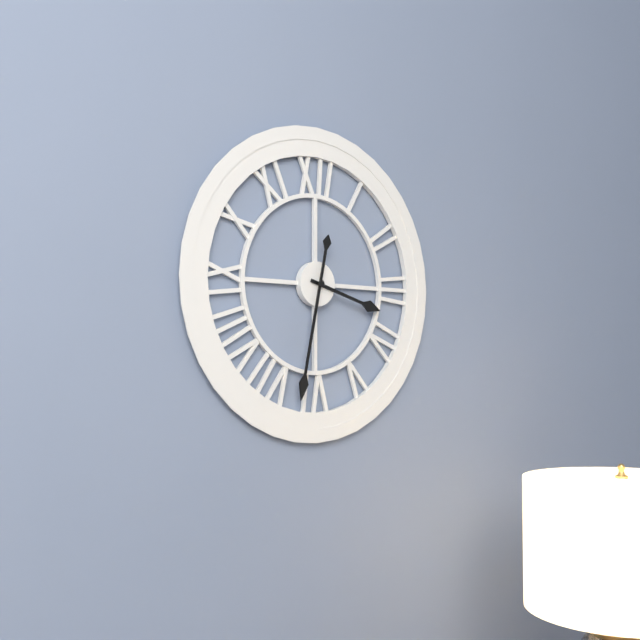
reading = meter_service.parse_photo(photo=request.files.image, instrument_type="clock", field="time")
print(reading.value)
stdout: 3:32
